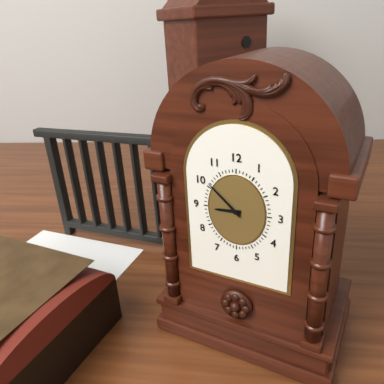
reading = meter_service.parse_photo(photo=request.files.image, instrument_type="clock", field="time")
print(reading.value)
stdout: 8:52
